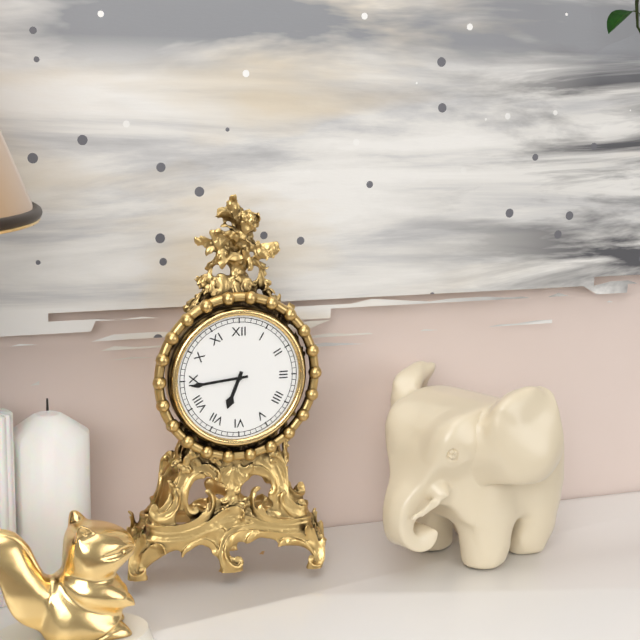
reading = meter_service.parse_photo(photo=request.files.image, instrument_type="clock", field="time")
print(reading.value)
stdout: 6:44
